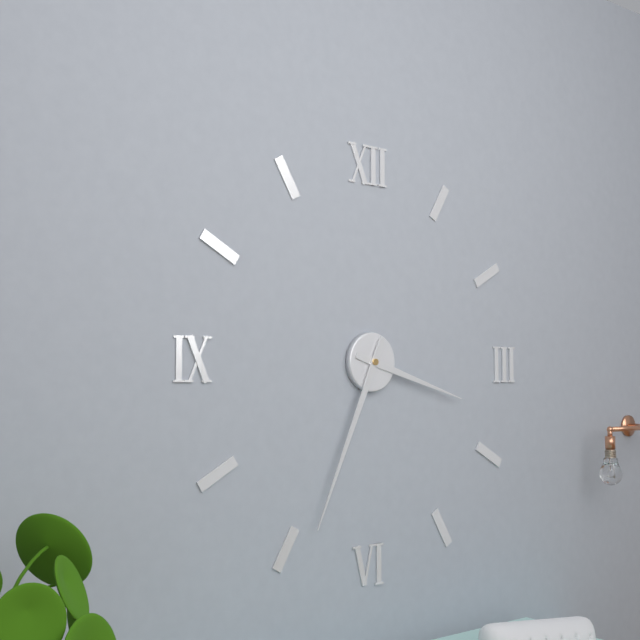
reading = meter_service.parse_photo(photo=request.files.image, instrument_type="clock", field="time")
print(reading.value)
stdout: 3:34
